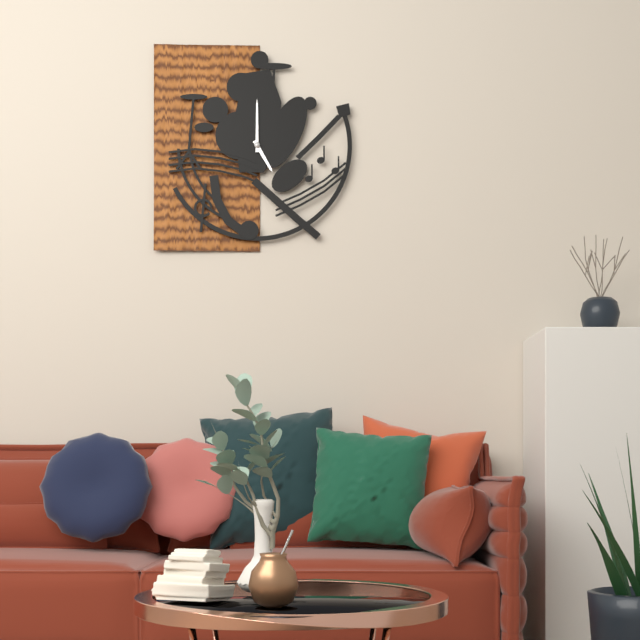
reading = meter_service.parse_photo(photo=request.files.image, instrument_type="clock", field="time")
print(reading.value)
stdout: 5:00
